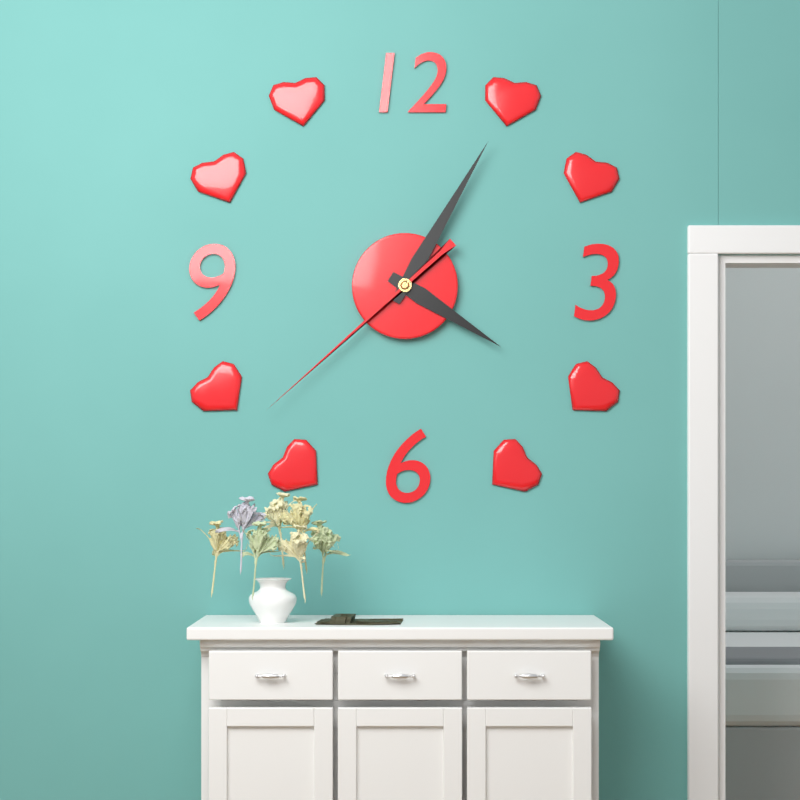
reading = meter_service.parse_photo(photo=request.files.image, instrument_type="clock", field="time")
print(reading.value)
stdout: 4:05:38
